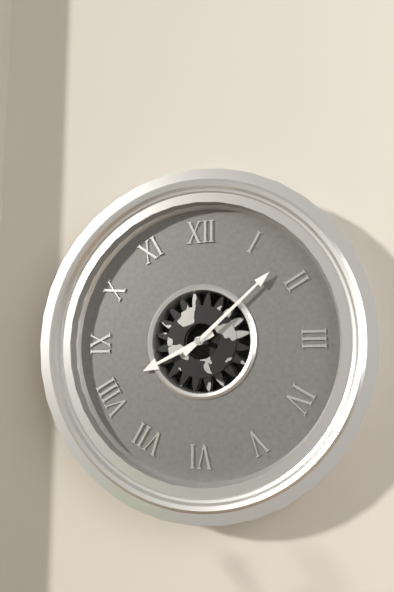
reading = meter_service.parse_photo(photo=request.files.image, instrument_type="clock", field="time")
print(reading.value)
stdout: 8:08
